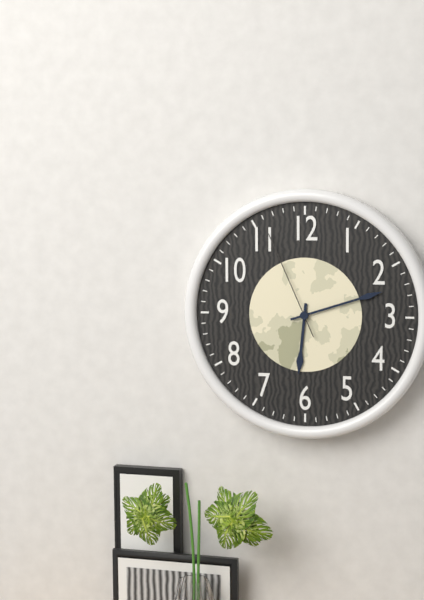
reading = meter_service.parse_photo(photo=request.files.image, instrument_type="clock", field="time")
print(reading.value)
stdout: 6:12:56
